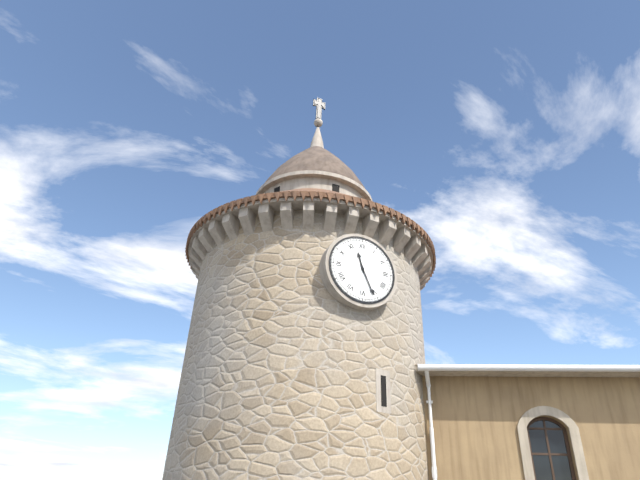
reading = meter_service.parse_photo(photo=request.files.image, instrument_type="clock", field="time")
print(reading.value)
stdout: 11:26
